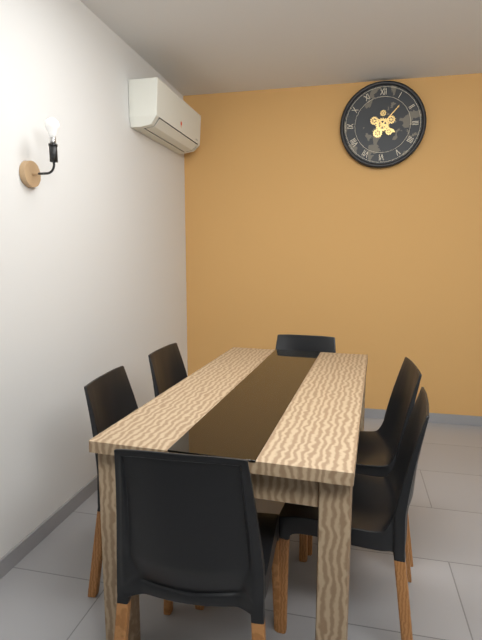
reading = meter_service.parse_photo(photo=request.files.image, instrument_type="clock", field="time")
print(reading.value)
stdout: 4:07
